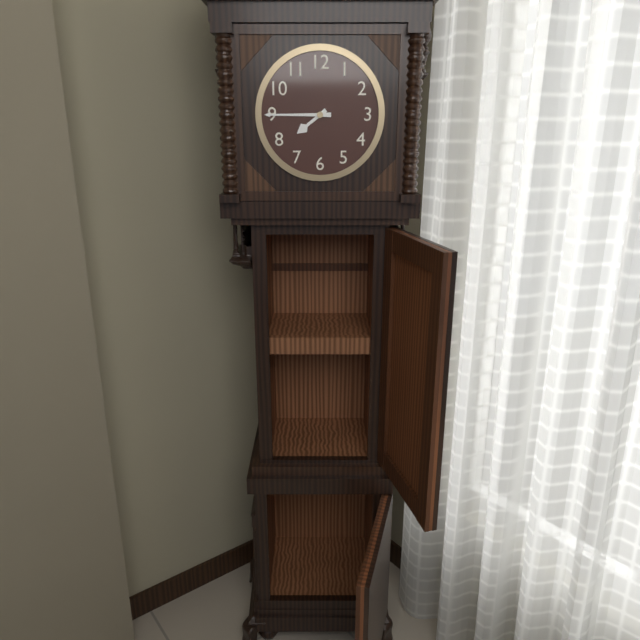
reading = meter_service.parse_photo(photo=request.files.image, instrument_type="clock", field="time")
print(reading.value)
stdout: 7:45
